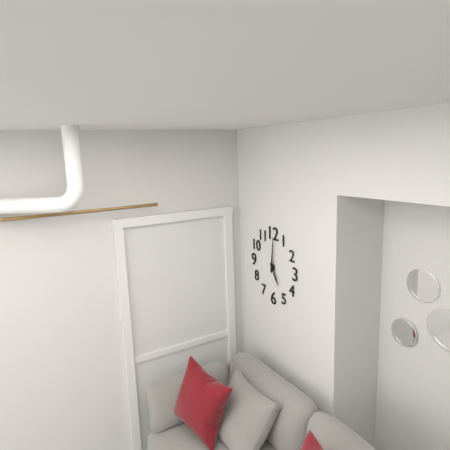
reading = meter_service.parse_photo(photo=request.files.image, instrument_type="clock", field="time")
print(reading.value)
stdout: 5:01
